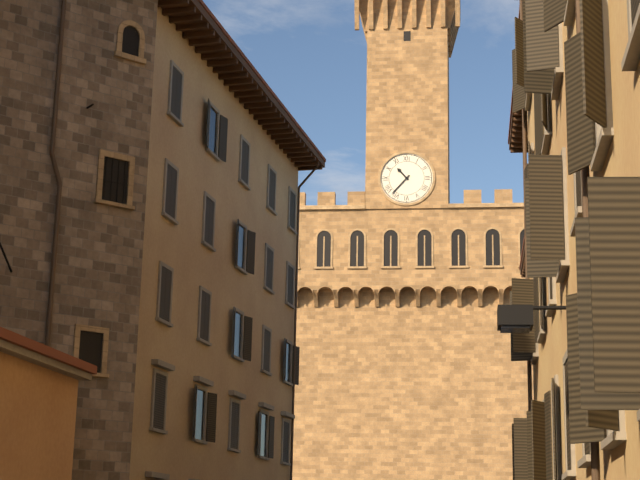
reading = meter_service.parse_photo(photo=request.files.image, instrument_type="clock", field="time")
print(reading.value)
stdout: 10:37
